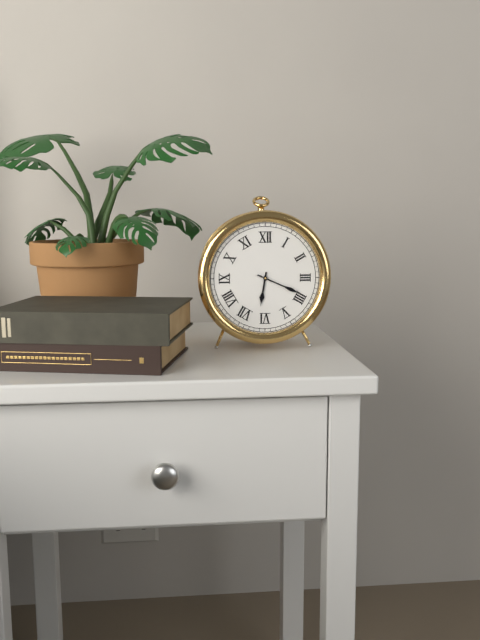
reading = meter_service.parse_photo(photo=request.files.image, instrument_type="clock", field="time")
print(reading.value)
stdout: 6:19
